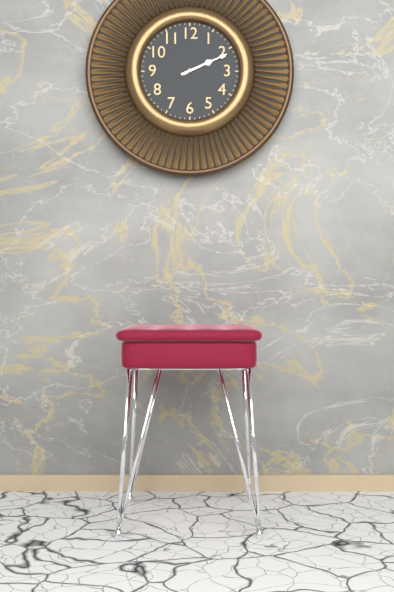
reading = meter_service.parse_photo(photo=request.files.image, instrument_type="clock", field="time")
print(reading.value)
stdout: 2:11
